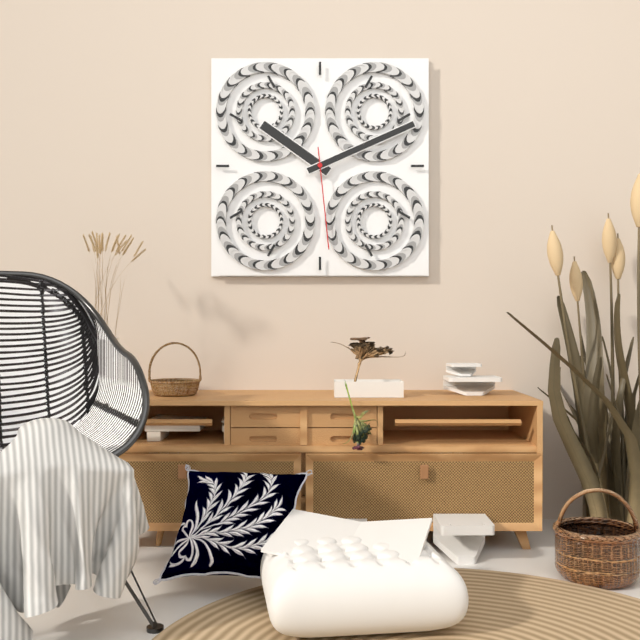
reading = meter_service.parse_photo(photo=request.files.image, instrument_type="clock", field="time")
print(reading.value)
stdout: 10:11:29
